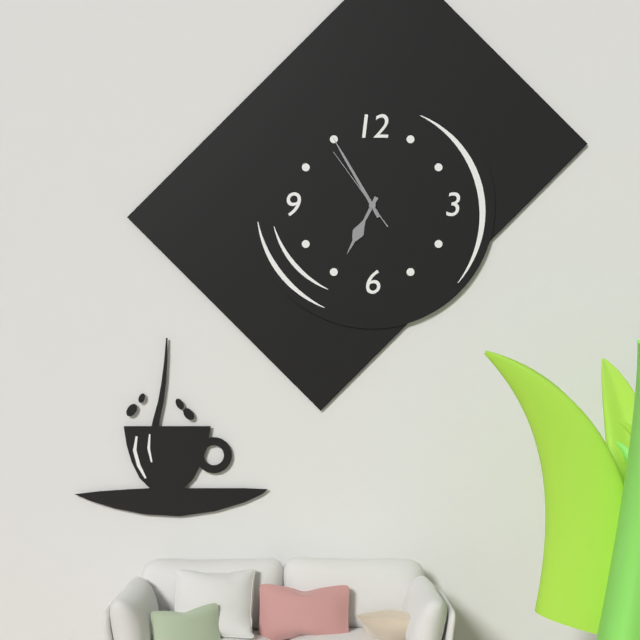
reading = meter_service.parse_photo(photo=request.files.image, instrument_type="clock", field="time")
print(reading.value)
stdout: 6:55:54
